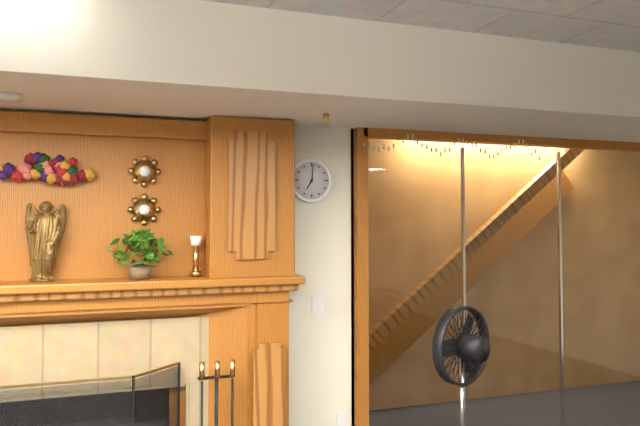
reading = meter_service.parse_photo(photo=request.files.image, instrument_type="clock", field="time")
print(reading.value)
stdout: 7:01
